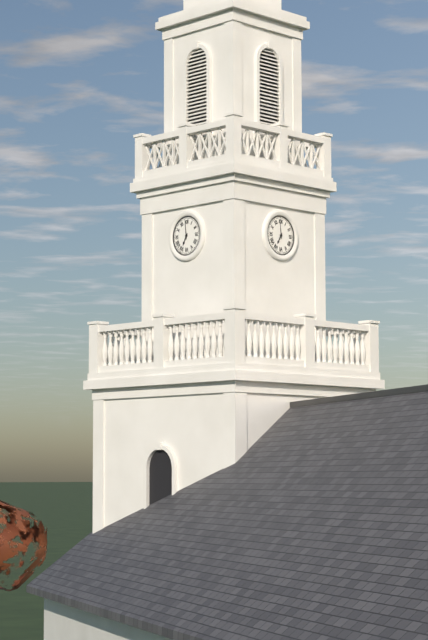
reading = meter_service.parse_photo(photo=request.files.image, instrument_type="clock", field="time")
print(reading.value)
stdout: 6:59
